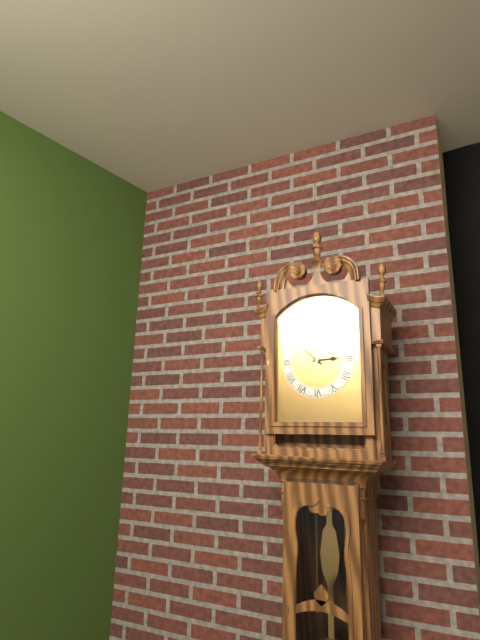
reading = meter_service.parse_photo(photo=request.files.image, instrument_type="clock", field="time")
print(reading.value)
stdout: 2:52
